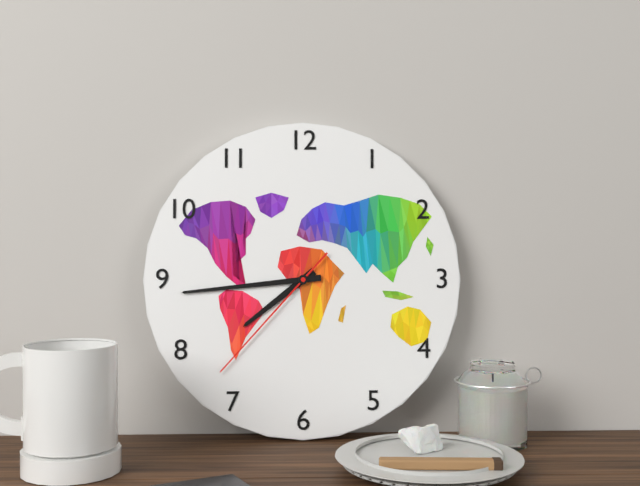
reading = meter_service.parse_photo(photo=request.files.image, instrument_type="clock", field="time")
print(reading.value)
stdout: 7:44:37
